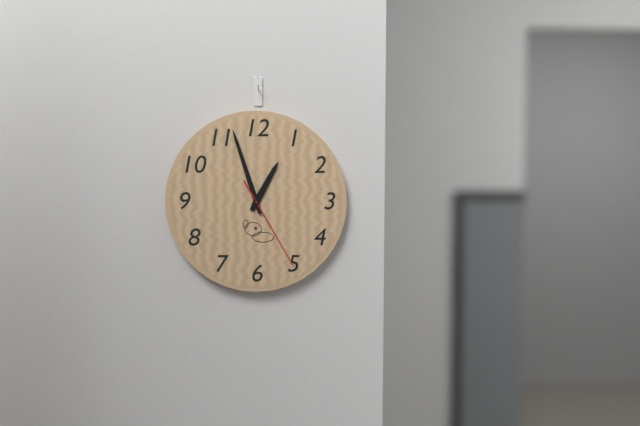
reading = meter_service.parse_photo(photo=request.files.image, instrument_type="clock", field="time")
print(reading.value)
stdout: 12:57:25
